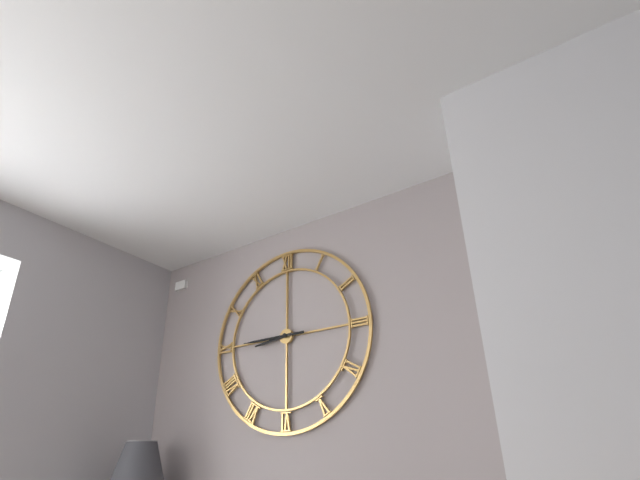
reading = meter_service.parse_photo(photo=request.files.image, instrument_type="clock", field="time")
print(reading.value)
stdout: 8:45
